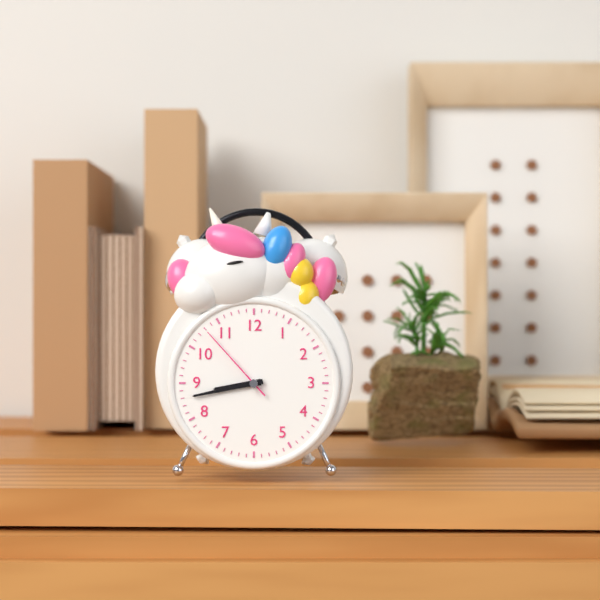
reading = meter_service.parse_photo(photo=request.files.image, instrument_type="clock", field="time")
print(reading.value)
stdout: 8:43:53
